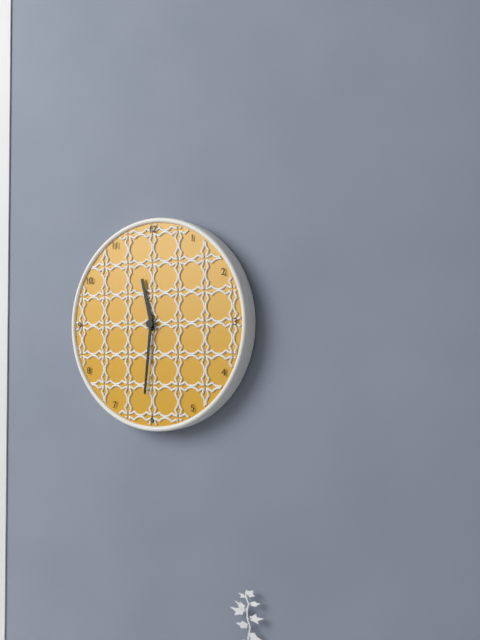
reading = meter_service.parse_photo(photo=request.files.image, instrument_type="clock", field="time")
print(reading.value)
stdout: 11:31
